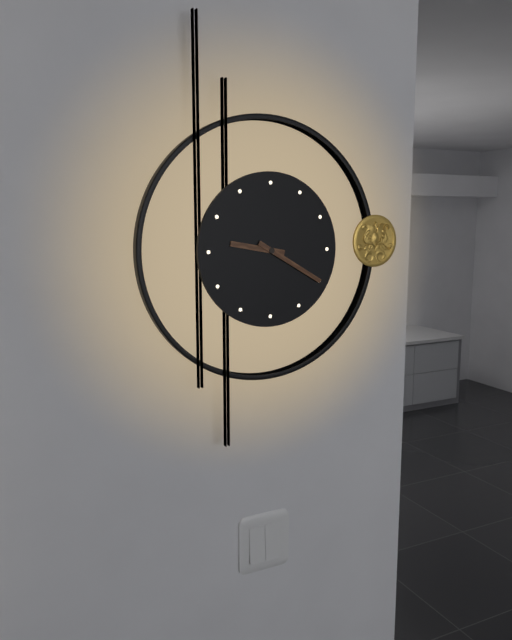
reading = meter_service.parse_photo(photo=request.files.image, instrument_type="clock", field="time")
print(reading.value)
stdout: 9:20
